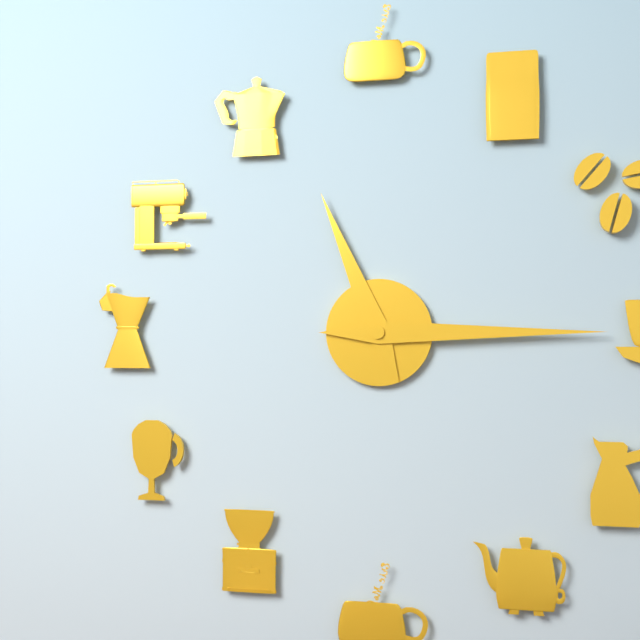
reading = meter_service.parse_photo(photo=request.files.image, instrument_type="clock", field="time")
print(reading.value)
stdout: 11:15
